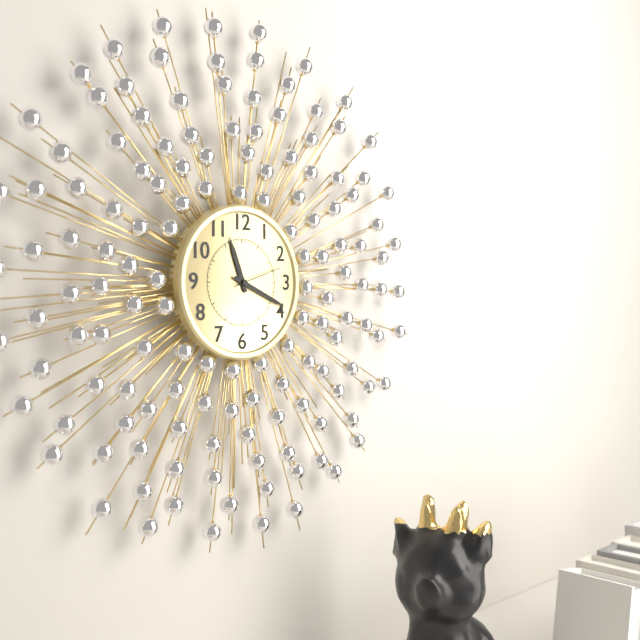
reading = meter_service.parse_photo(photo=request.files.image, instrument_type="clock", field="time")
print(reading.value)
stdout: 11:19
